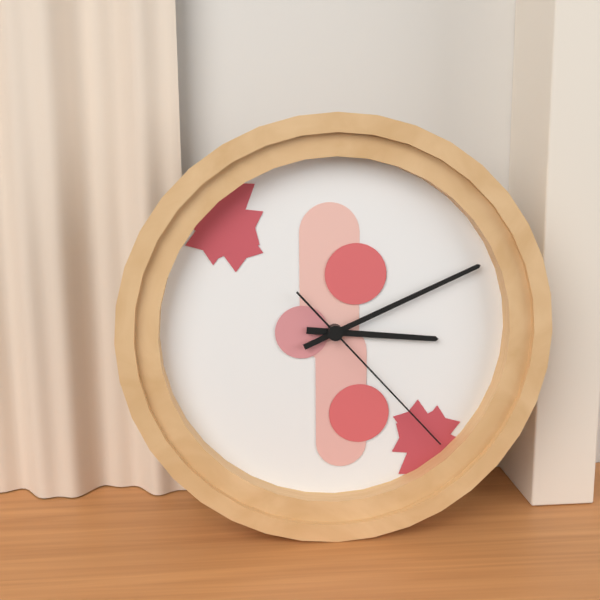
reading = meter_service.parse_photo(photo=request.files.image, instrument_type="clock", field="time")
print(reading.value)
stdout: 3:11:23
